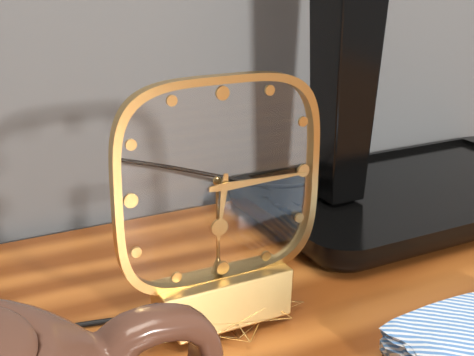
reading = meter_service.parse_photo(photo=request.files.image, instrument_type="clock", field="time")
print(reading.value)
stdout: 6:15
